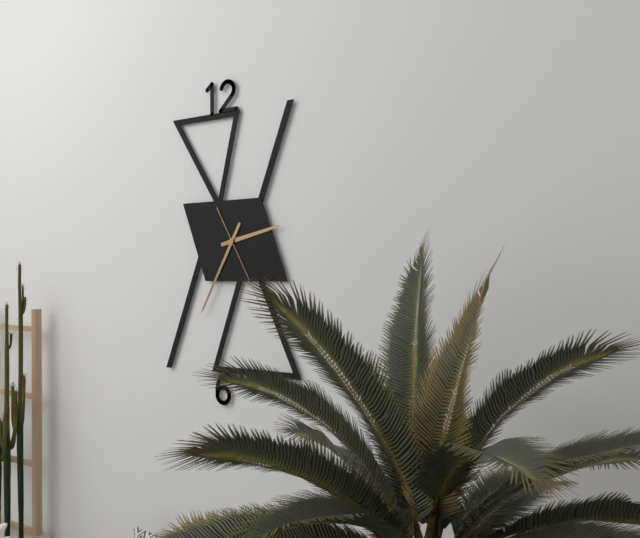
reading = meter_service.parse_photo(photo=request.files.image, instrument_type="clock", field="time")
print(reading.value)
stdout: 2:35:25
